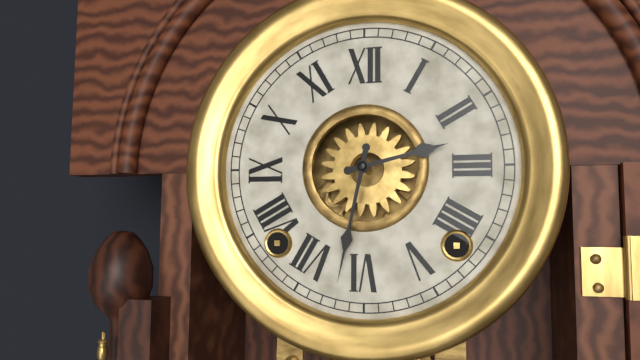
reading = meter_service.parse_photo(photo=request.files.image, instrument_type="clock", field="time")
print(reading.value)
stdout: 2:32
